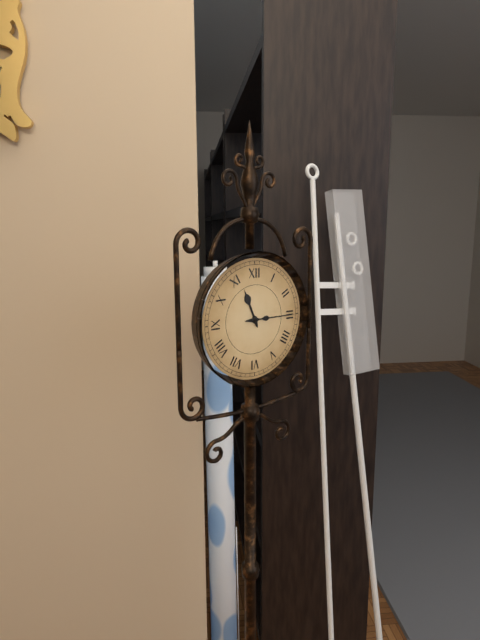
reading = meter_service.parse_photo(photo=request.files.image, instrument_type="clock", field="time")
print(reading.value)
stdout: 11:15
